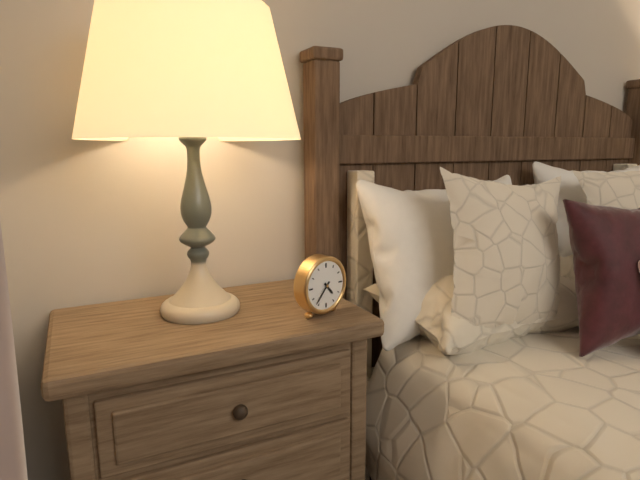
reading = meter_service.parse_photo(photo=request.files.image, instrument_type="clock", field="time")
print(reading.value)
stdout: 4:37
